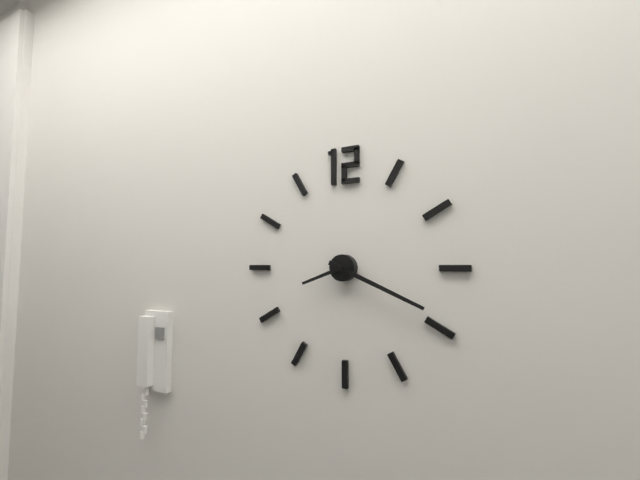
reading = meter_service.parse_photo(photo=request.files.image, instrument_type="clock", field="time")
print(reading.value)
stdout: 8:19
